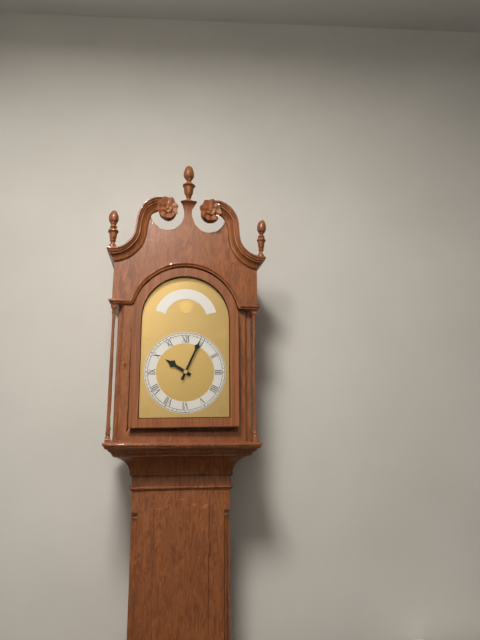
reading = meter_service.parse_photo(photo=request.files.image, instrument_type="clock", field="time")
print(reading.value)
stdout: 10:04
